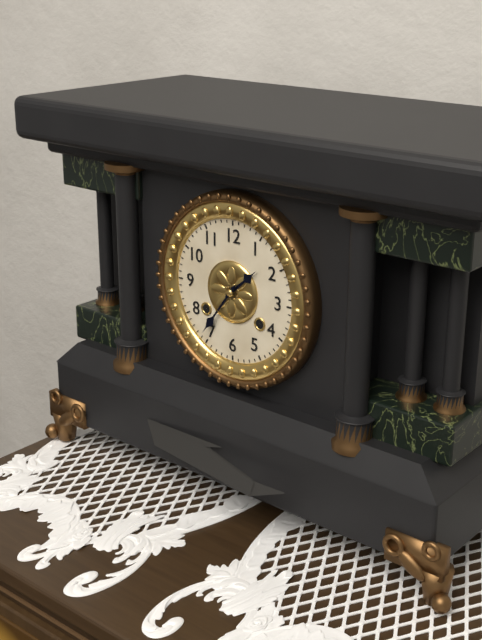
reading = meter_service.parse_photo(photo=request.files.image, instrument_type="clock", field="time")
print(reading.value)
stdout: 1:36
